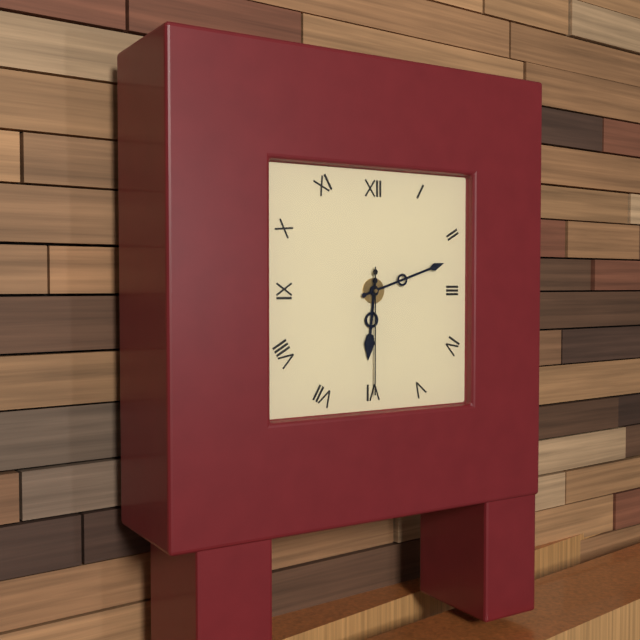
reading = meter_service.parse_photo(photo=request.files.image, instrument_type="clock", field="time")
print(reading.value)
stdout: 6:12:30
